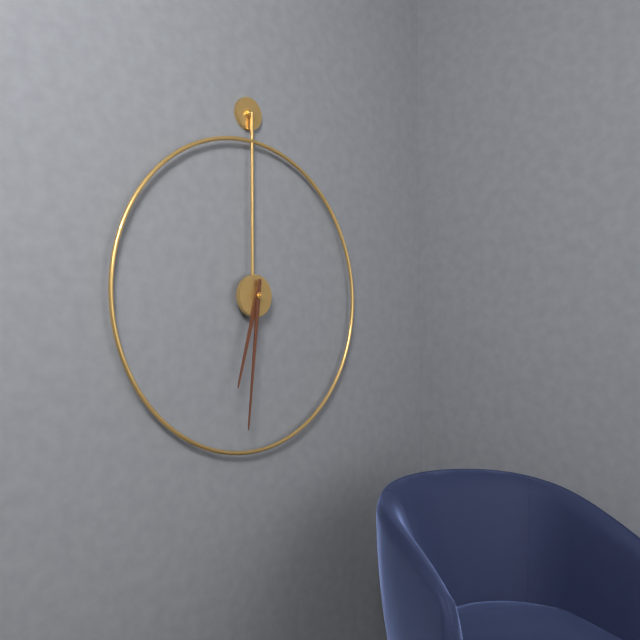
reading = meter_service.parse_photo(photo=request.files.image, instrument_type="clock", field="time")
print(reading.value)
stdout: 6:31
